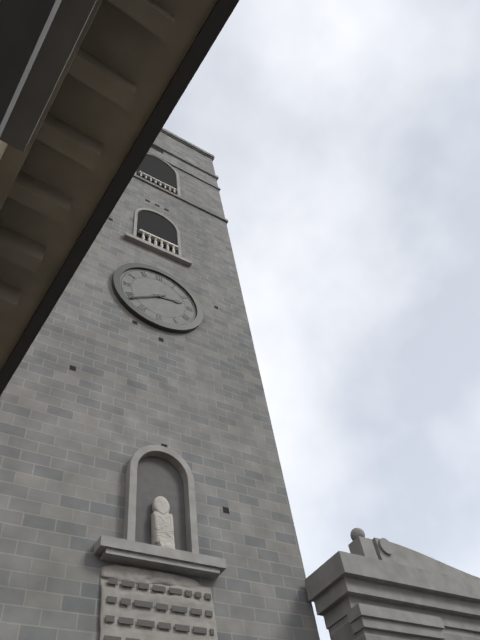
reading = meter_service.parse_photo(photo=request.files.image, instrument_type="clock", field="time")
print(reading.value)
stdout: 2:39
